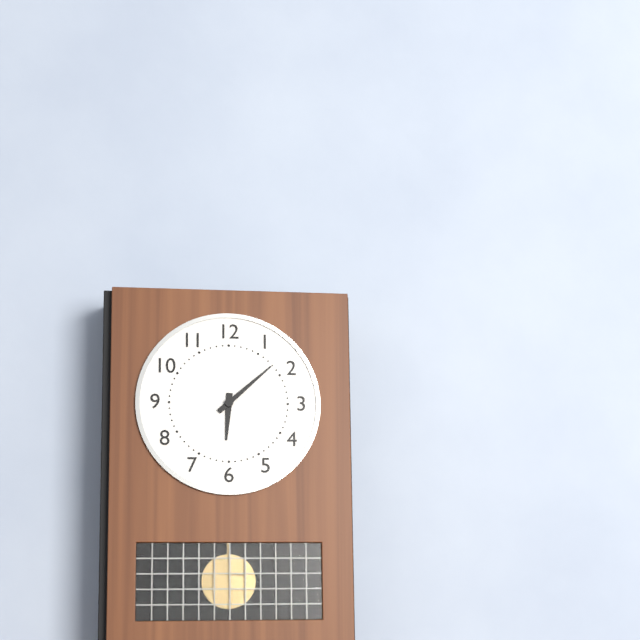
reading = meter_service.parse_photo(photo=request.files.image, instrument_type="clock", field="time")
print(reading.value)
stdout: 6:08
